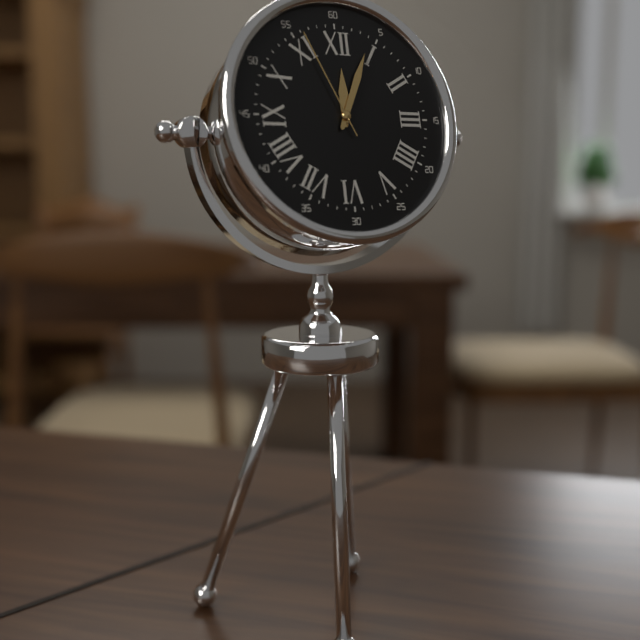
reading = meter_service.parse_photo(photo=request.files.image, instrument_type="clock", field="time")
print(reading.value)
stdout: 12:04:56
